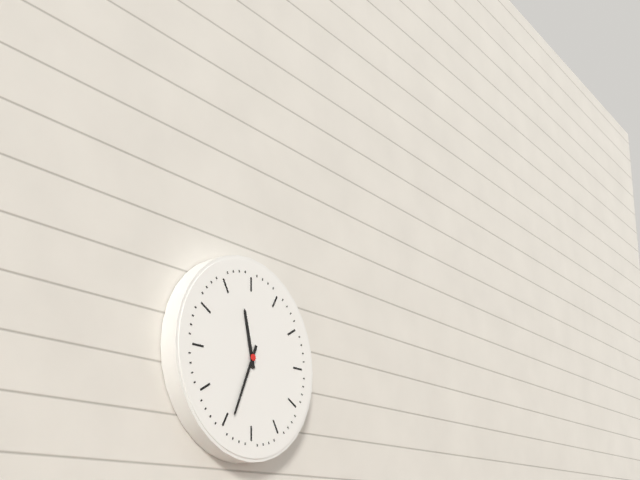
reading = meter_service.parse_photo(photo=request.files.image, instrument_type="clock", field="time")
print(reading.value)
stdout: 11:34
